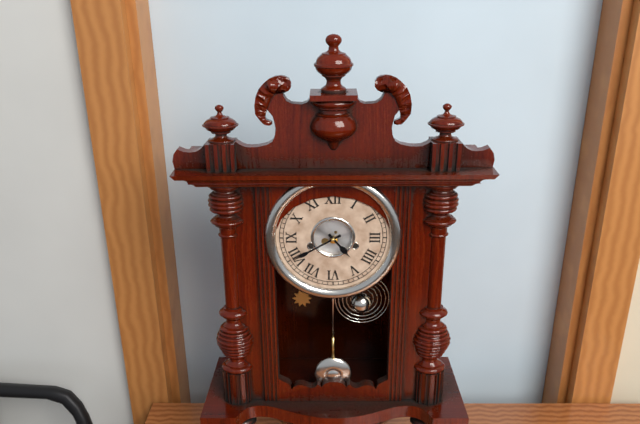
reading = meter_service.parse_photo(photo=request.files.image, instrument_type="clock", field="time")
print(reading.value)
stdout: 4:40
